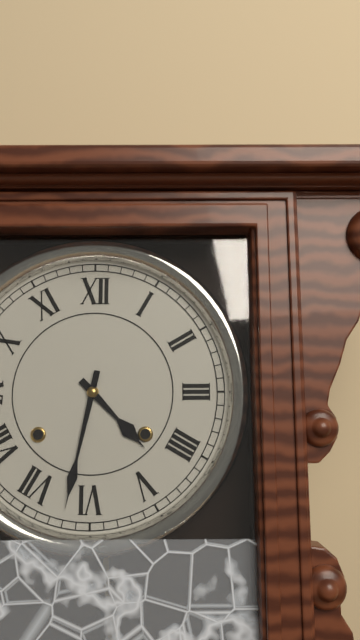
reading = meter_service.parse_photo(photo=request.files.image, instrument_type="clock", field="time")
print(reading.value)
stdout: 4:32
